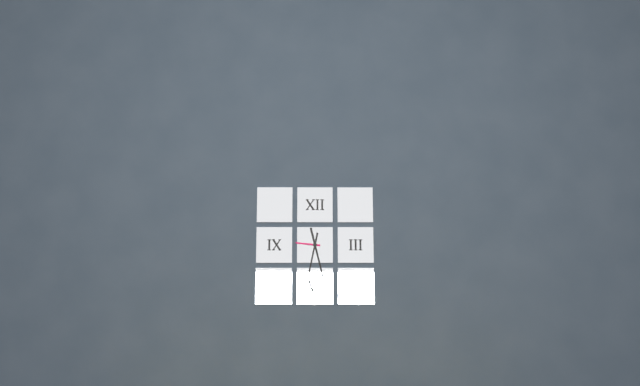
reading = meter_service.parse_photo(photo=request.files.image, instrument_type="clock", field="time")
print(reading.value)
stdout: 5:32
